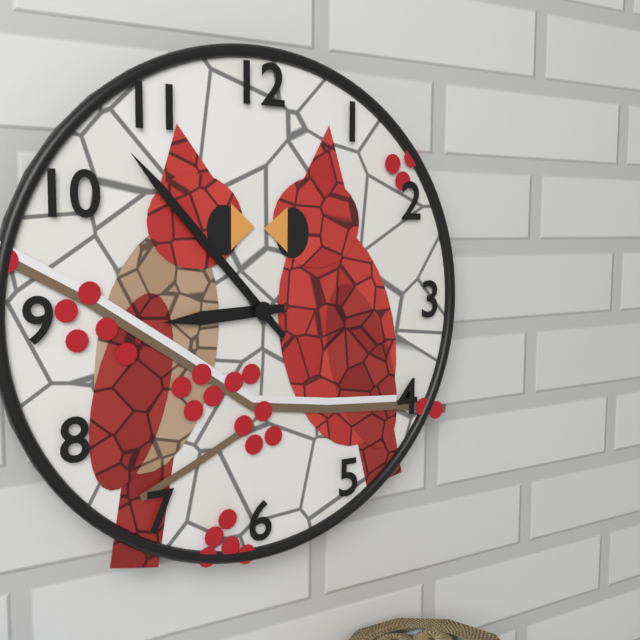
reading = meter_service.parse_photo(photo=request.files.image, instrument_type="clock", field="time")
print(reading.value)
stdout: 8:53
